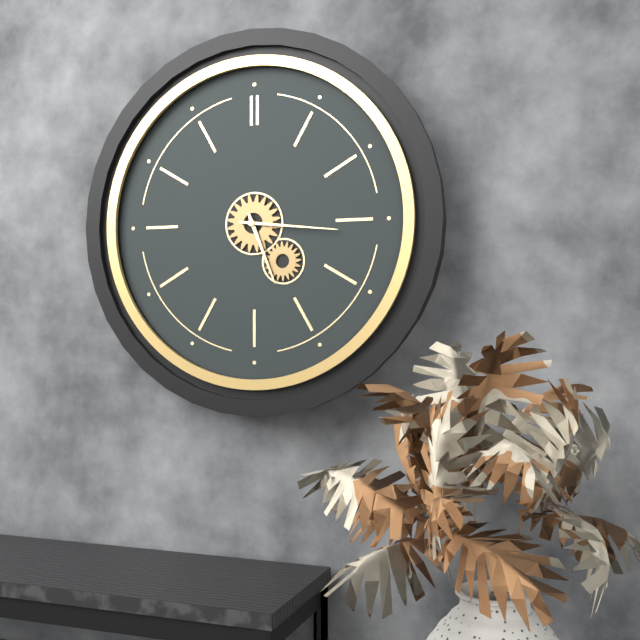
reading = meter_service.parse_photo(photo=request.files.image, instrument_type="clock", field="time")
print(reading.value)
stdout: 5:16
